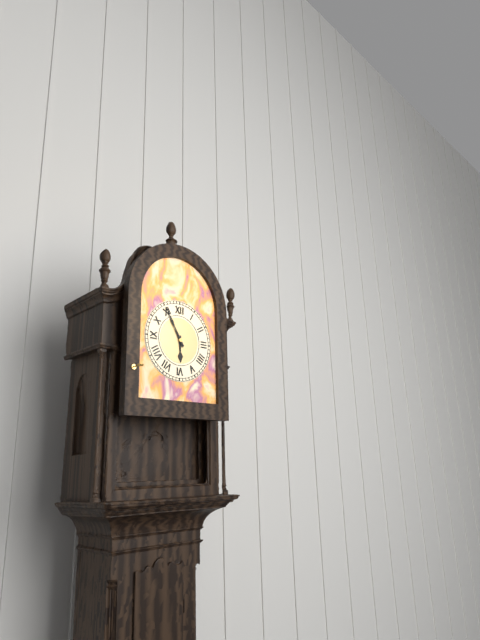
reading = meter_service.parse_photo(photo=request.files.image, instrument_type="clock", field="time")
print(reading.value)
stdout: 5:55
